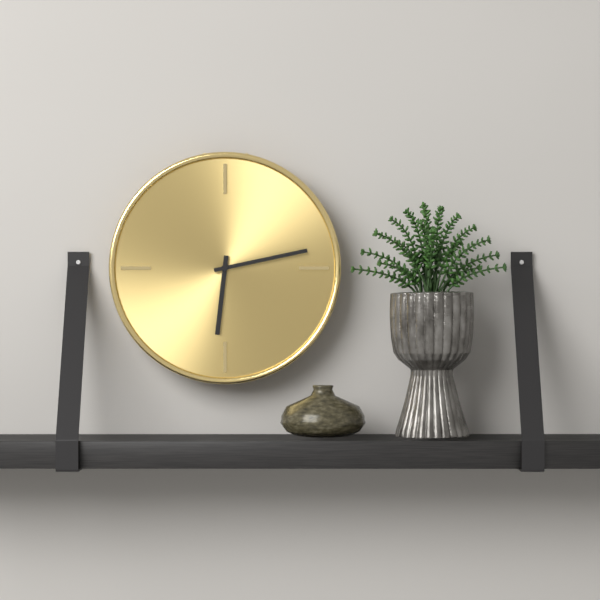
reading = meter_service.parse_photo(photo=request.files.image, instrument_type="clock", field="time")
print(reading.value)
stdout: 6:13
